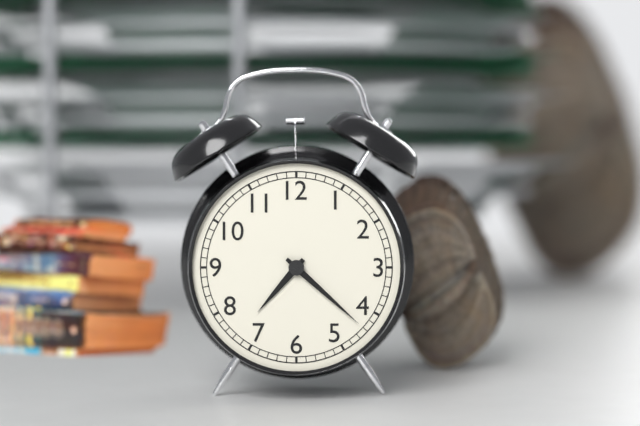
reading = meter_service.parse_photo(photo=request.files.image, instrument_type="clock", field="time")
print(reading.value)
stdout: 7:22
